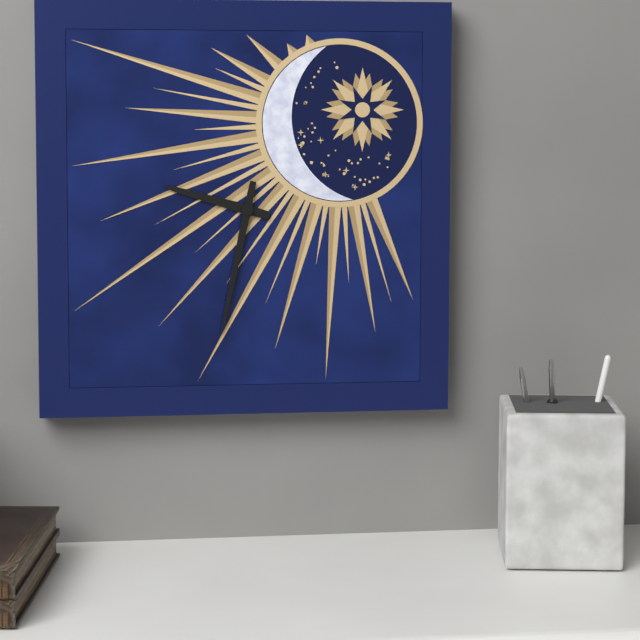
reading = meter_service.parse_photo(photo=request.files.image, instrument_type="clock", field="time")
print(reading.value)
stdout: 9:32
